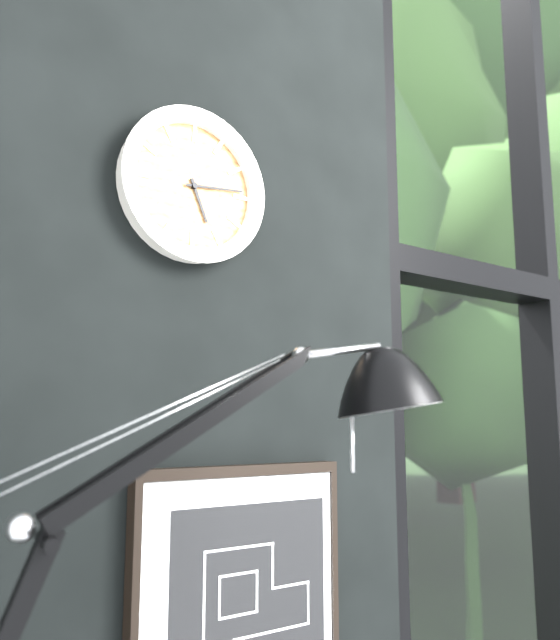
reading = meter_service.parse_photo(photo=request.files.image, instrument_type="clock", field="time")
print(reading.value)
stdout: 5:14
